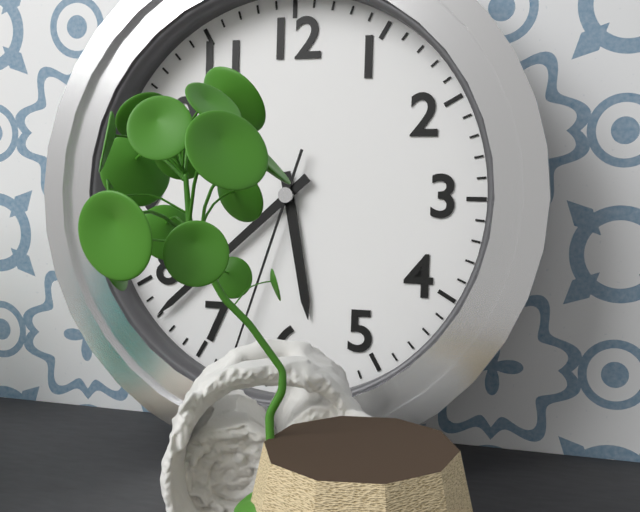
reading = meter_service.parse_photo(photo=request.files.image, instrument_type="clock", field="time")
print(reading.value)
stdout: 5:38
